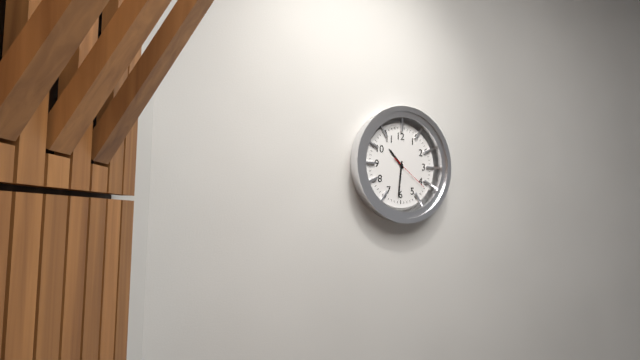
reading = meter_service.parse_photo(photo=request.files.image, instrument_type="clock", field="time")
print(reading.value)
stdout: 10:31
